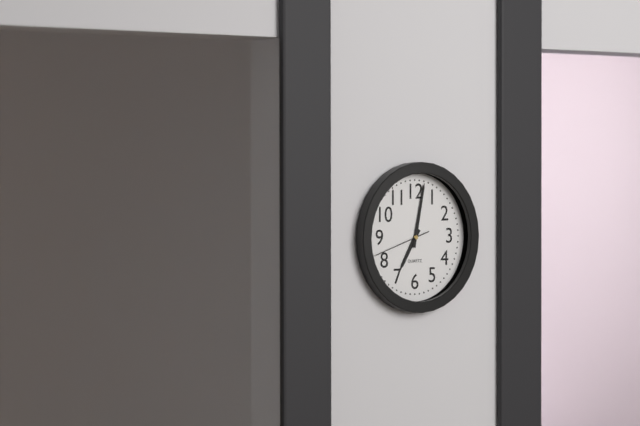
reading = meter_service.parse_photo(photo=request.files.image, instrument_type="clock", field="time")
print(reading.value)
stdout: 7:02:42
